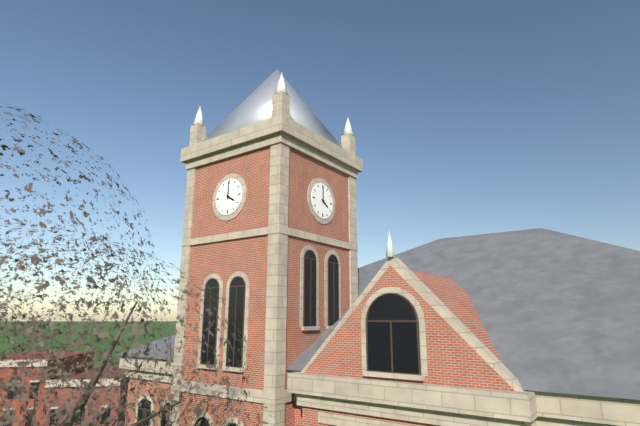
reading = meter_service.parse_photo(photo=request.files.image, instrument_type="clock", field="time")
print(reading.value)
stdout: 4:00
